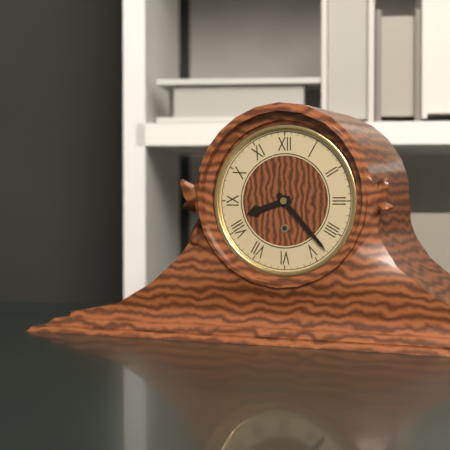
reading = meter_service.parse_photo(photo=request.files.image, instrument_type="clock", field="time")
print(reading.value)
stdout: 8:23
